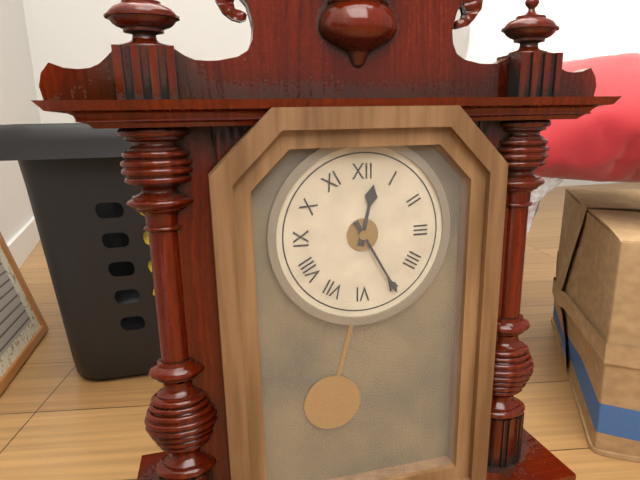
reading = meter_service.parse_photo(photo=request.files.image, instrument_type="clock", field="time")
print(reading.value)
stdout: 12:25
